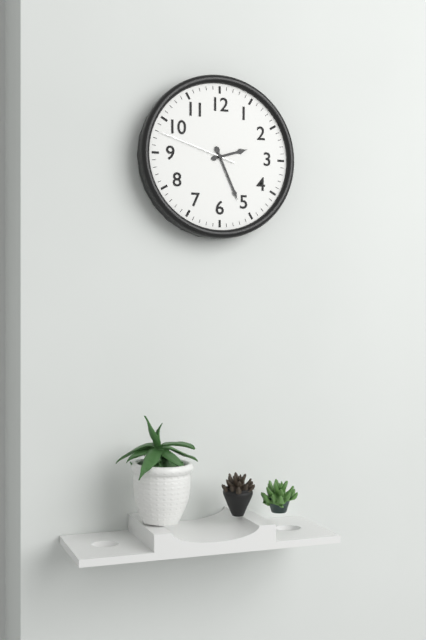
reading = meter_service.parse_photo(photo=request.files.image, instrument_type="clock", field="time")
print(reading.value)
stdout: 2:26:48
